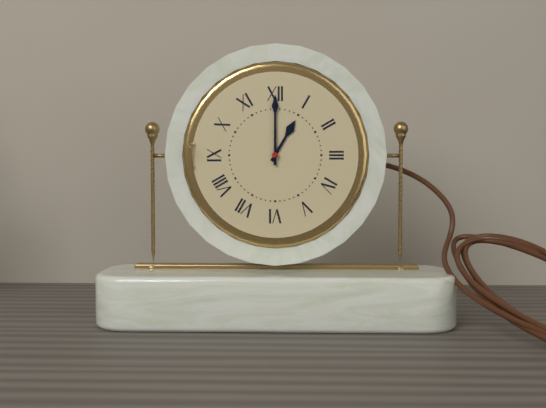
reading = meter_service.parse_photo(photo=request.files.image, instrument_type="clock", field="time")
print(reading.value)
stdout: 1:00
